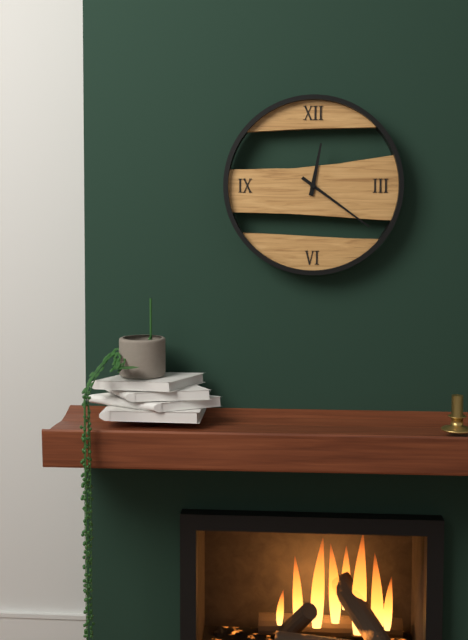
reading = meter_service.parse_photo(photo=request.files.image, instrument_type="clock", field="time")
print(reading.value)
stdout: 12:21
